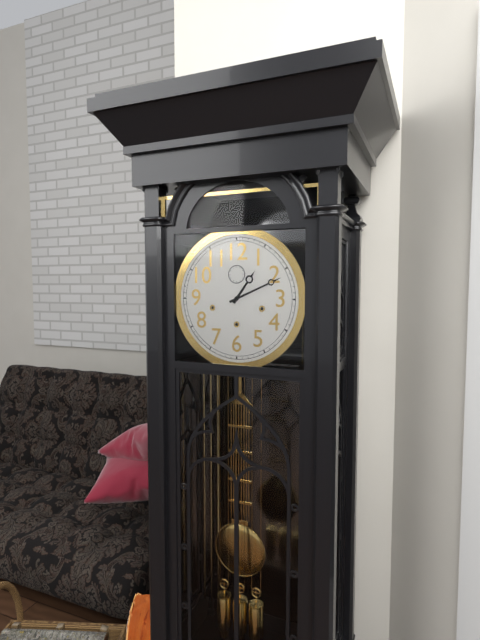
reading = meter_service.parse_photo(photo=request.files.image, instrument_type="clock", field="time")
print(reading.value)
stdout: 1:11
